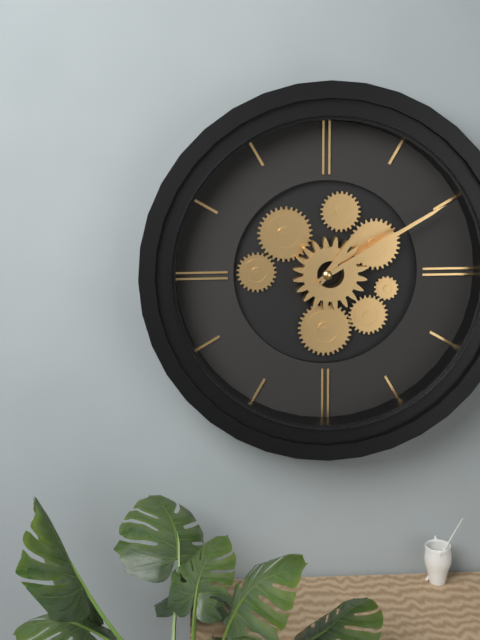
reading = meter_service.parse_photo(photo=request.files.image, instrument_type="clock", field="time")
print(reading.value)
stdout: 1:10
